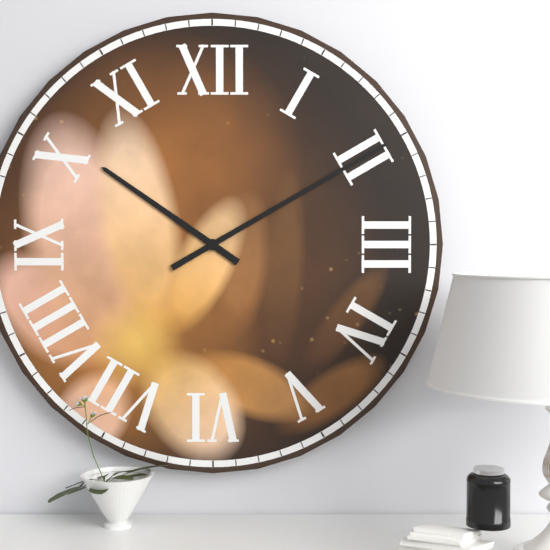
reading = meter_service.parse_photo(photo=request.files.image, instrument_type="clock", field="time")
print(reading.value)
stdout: 10:10
